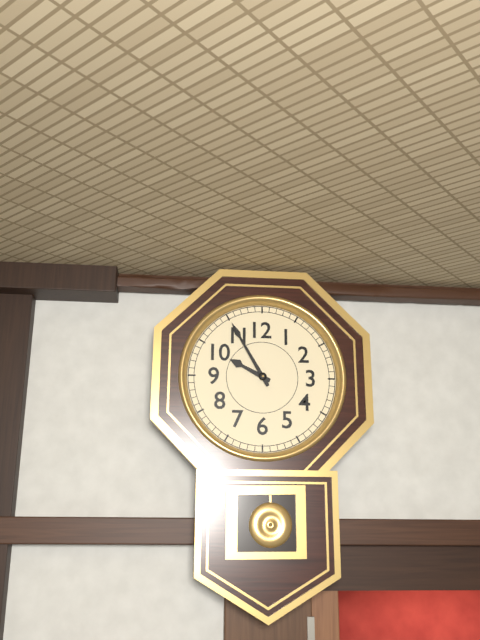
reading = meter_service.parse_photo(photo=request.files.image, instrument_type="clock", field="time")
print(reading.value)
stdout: 9:55
